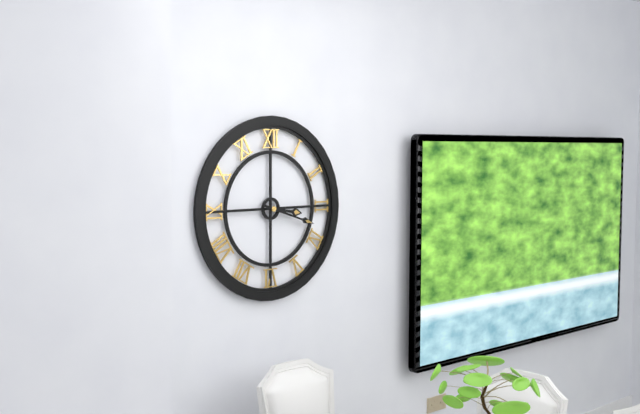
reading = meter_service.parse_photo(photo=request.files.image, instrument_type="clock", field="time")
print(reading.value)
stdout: 3:18
